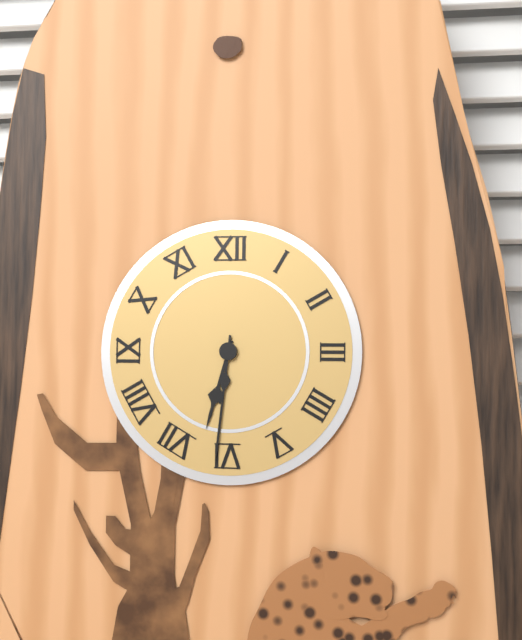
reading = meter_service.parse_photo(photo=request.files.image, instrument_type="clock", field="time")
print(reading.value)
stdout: 6:31
